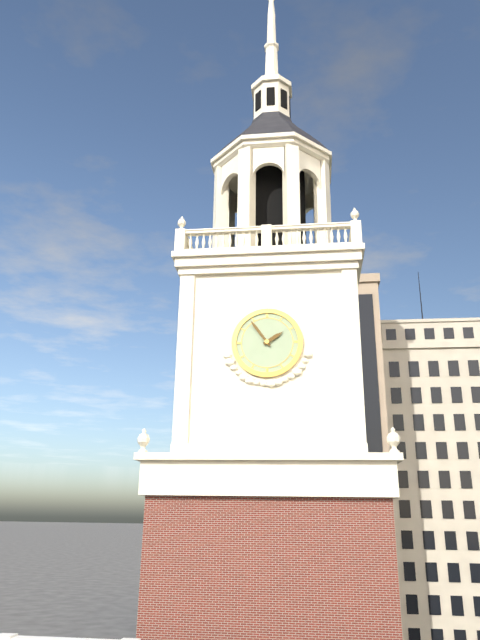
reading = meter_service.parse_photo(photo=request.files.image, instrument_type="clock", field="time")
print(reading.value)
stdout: 1:54
